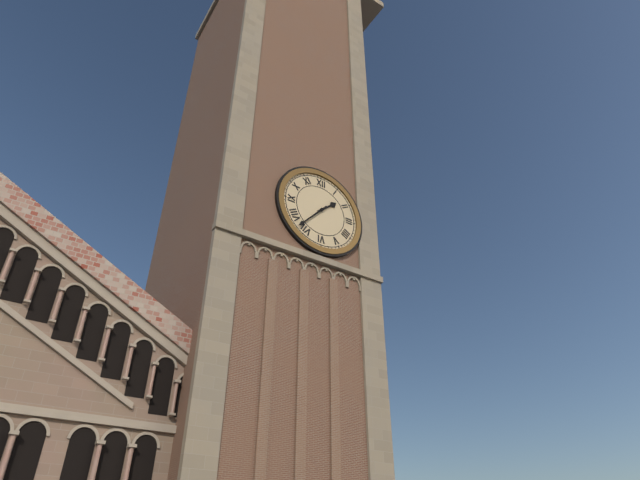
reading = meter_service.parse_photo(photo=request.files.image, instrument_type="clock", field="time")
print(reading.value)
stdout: 1:37
